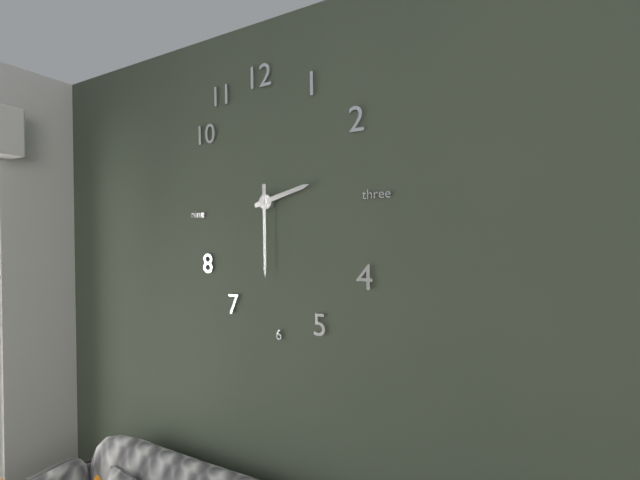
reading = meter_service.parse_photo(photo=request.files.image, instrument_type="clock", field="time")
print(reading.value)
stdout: 2:30
